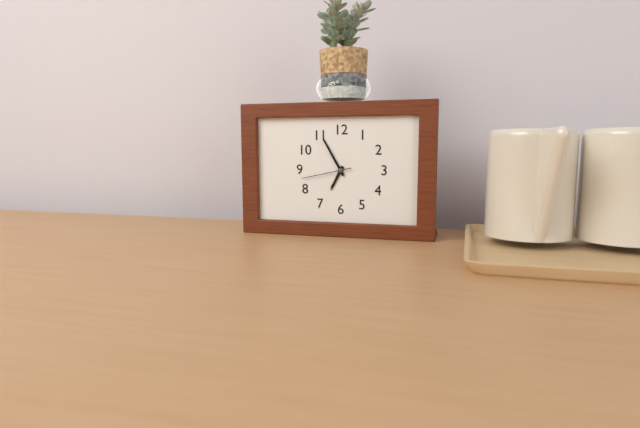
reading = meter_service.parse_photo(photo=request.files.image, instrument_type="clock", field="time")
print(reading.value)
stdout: 6:55
